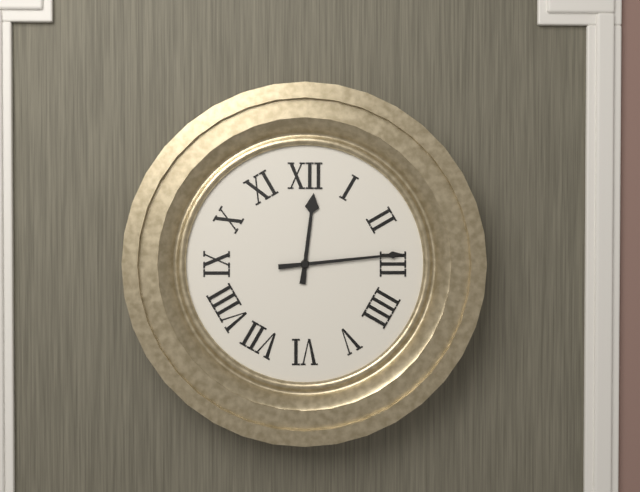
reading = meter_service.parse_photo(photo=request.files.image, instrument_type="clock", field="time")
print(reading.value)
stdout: 12:14
